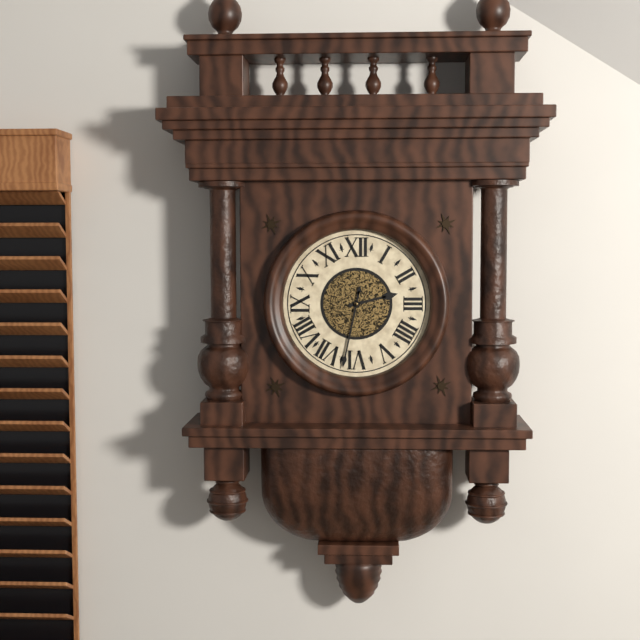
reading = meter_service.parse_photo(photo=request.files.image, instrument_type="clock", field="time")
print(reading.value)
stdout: 2:32
